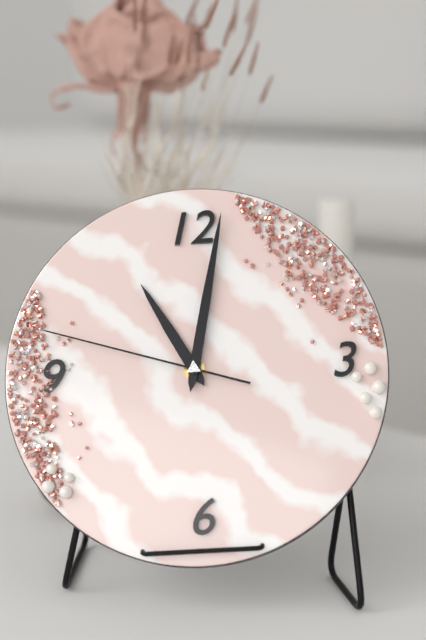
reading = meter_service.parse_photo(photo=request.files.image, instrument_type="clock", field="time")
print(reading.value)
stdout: 11:02:48
